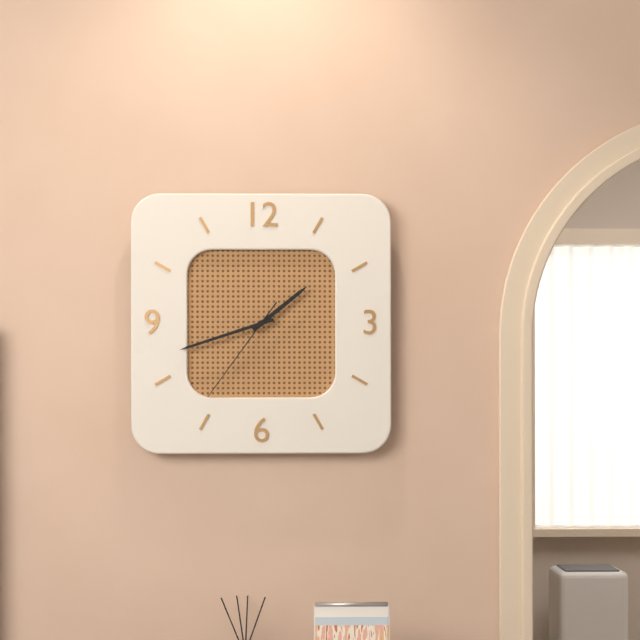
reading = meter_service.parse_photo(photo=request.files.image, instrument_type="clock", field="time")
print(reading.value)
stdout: 1:42:36
